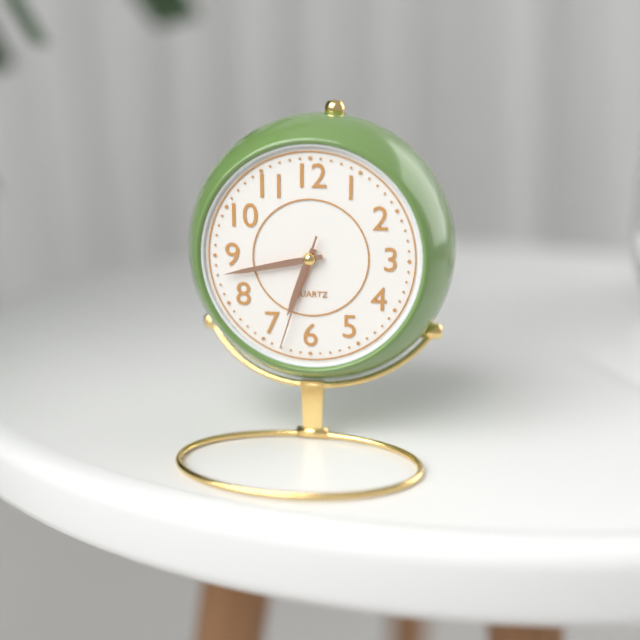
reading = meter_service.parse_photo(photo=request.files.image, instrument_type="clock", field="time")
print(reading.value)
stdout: 6:43:33
